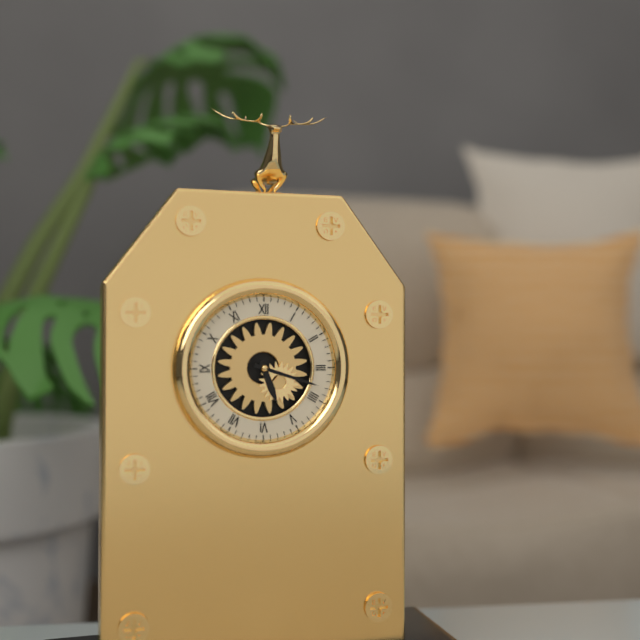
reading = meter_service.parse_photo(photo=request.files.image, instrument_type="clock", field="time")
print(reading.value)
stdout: 5:18
